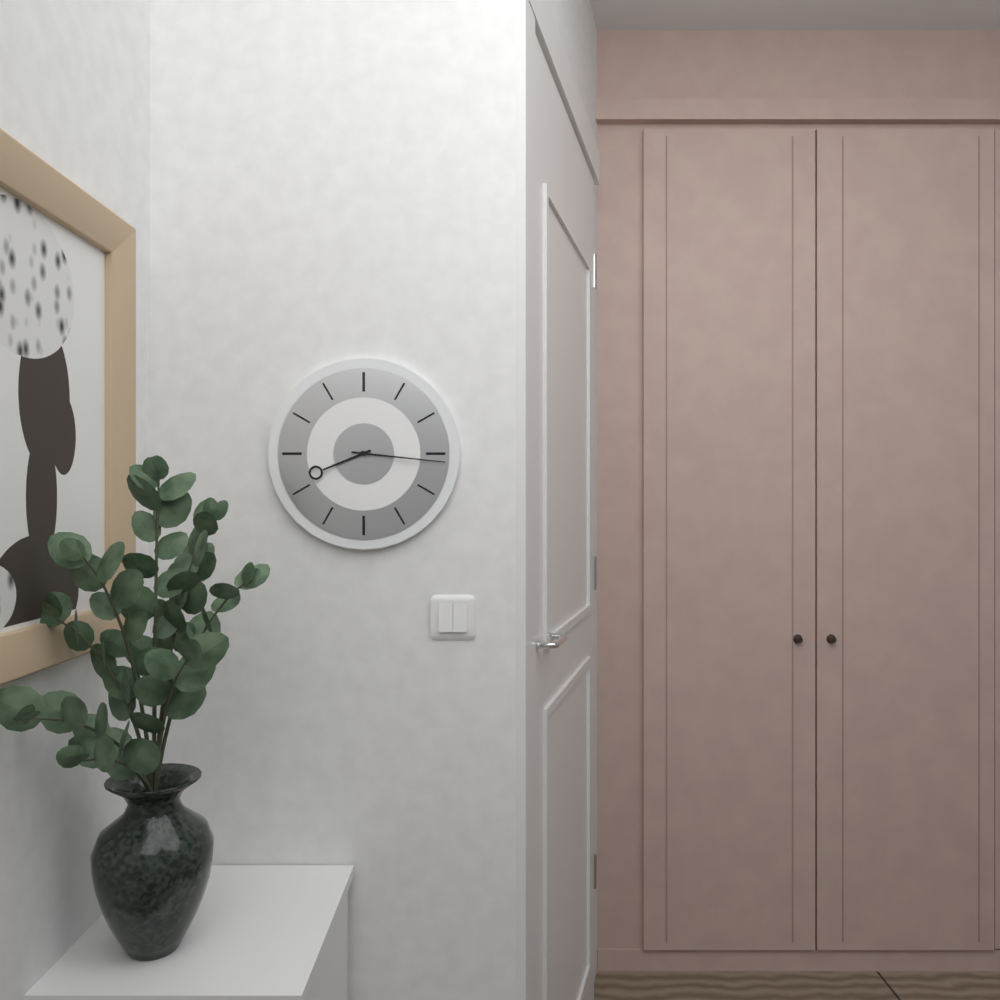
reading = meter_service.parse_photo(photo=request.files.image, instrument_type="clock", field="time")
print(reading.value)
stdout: 8:16
